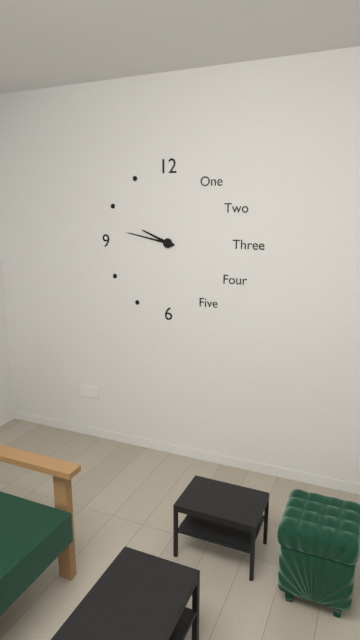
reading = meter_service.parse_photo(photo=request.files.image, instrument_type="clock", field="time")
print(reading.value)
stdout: 9:47
